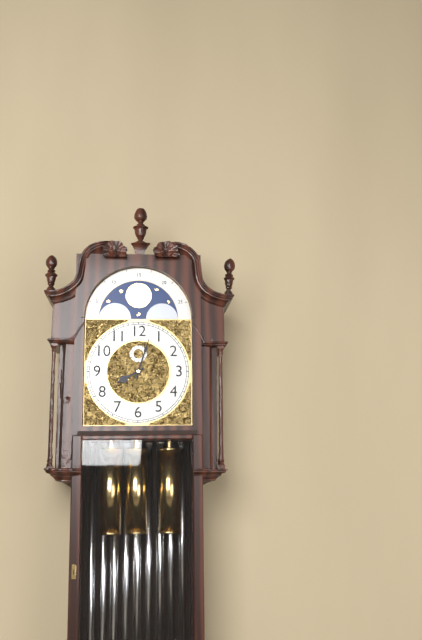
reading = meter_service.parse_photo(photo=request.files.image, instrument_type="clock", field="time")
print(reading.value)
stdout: 8:03
